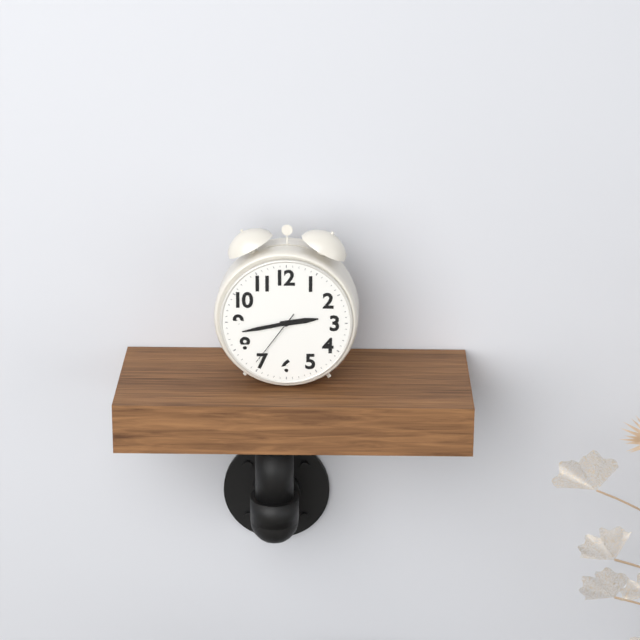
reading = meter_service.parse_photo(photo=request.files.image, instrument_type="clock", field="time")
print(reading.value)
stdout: 2:43:36
